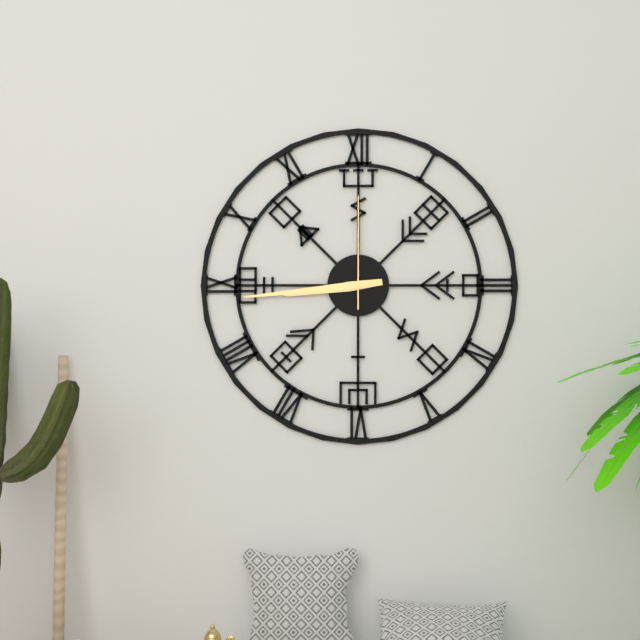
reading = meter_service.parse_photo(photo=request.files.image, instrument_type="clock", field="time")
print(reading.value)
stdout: 8:44:00
